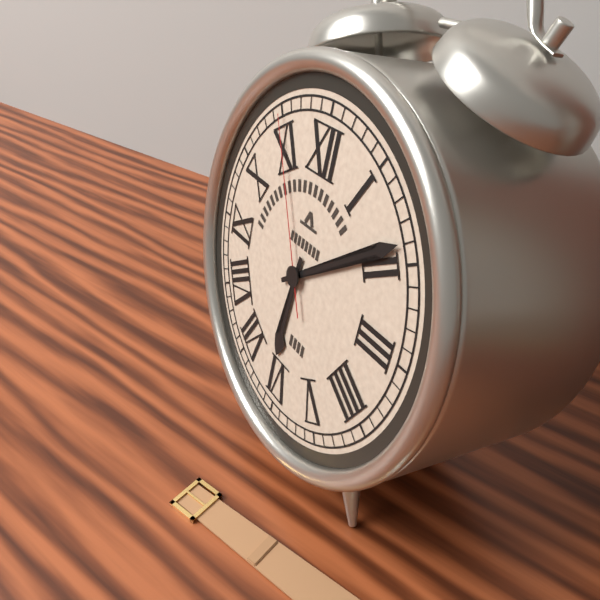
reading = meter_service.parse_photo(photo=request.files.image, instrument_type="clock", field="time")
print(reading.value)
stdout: 6:09:55
